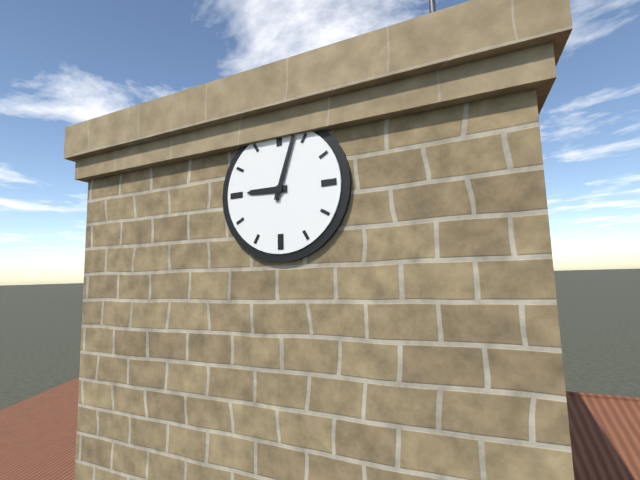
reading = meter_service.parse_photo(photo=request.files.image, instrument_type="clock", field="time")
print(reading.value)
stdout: 9:03
